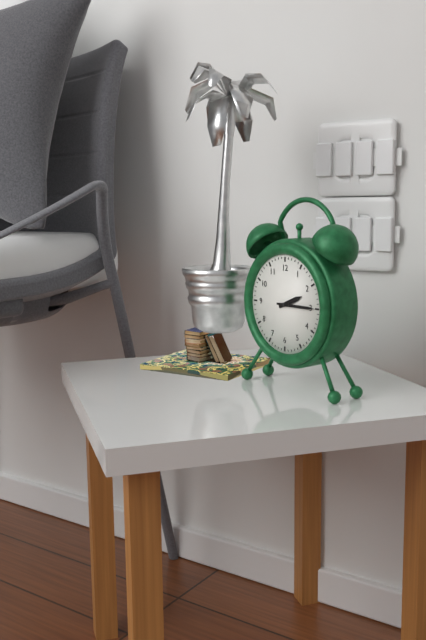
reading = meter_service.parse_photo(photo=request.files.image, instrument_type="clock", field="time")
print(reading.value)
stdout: 2:15
